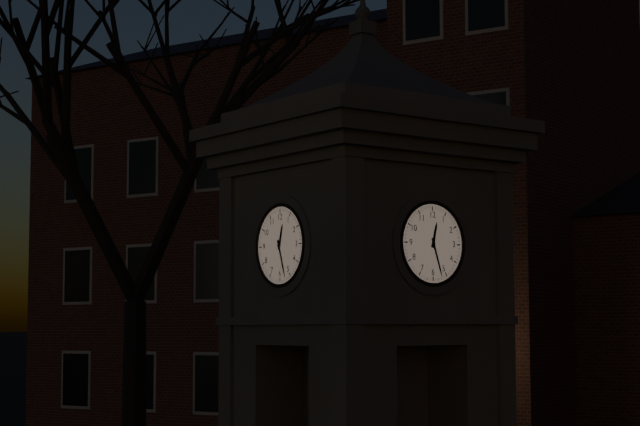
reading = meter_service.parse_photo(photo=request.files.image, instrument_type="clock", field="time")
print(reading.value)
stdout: 12:27
